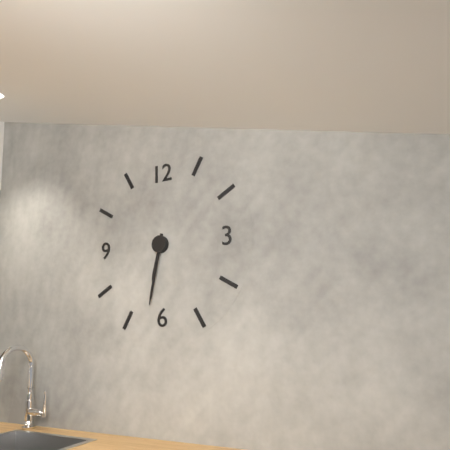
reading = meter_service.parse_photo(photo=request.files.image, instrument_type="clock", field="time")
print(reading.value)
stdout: 6:32
